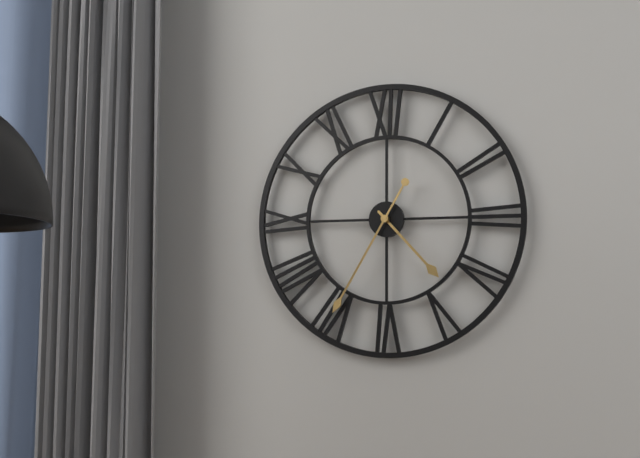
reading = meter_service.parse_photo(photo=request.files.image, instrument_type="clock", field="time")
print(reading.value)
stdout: 4:35
